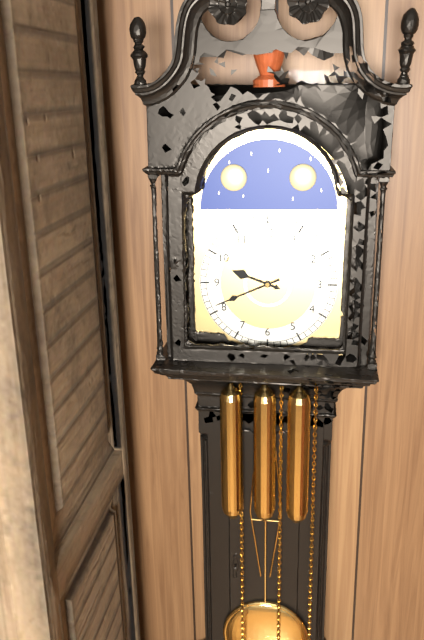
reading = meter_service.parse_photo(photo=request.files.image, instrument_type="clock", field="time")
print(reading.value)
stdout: 9:41
